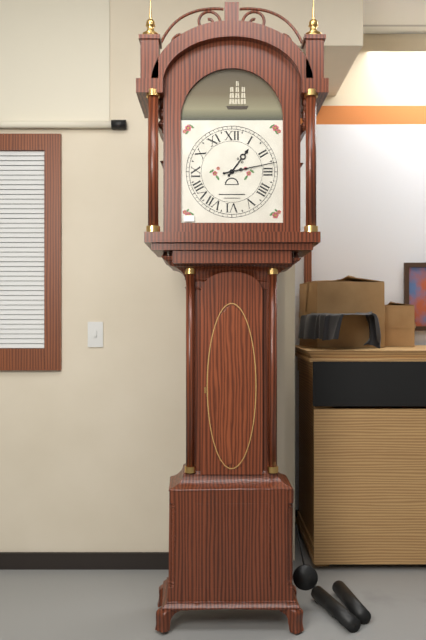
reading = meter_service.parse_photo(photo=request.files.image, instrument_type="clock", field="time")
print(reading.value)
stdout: 1:13
